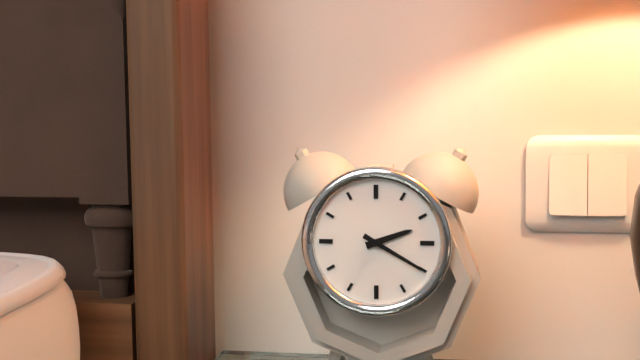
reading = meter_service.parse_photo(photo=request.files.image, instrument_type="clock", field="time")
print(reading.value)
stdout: 2:20
